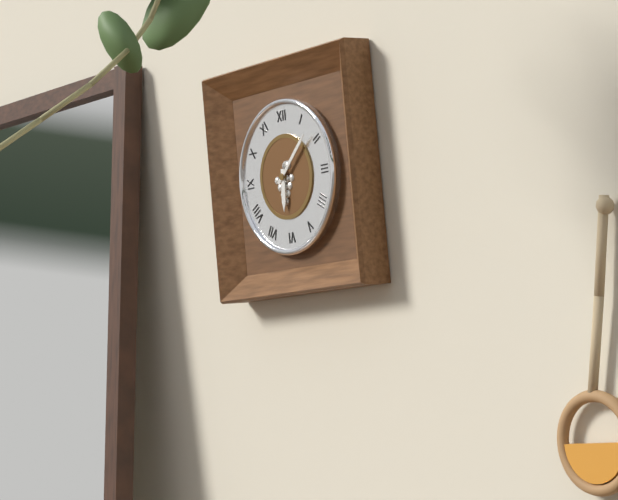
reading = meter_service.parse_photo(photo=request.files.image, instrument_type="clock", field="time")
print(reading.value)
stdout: 6:08
